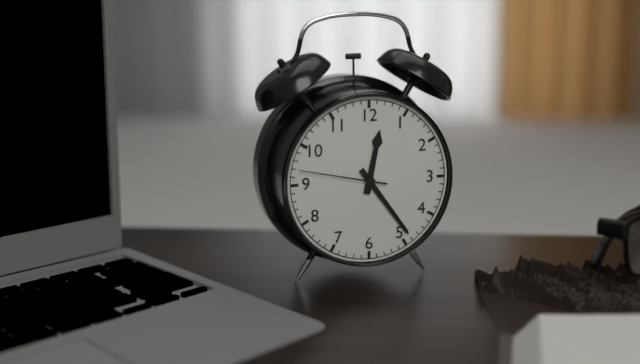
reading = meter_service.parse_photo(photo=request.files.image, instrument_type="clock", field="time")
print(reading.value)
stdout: 12:24:47
